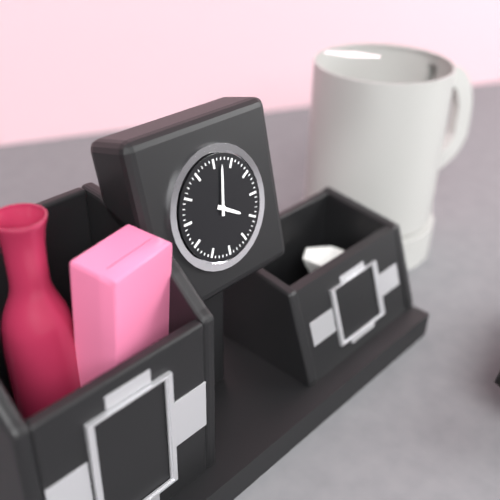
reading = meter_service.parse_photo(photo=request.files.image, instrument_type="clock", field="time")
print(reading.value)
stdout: 4:02
